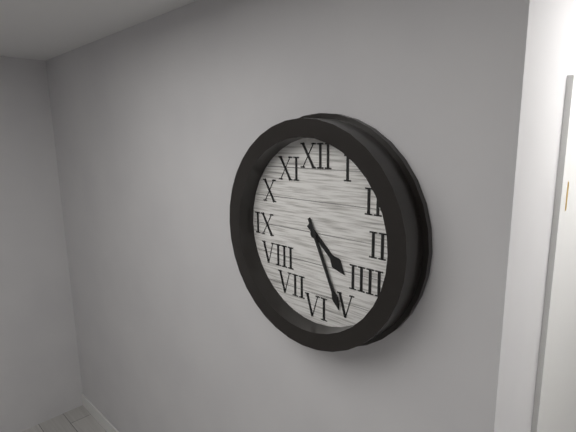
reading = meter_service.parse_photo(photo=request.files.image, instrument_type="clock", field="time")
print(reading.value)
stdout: 4:26
